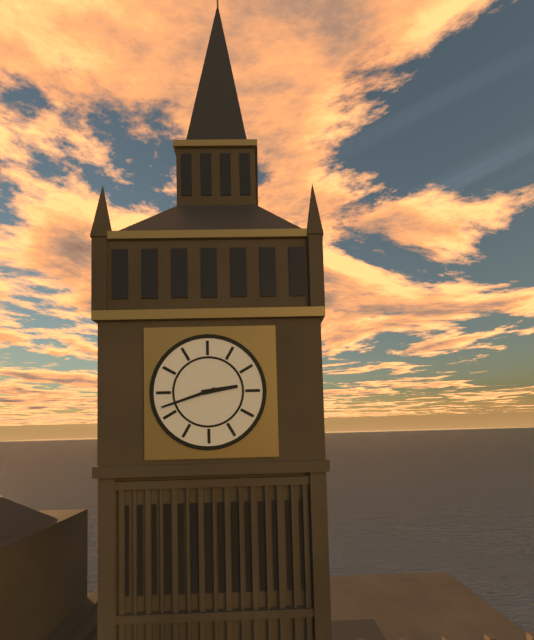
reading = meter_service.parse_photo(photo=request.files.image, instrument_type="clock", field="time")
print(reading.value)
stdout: 2:42
